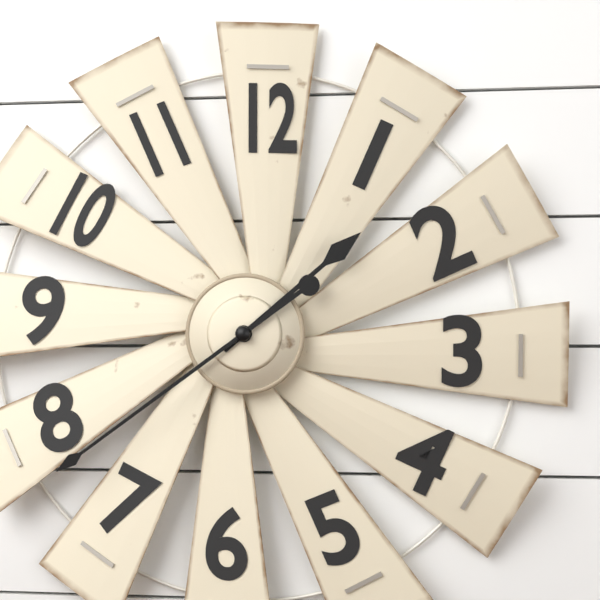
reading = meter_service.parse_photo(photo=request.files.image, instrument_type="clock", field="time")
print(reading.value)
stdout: 1:39
